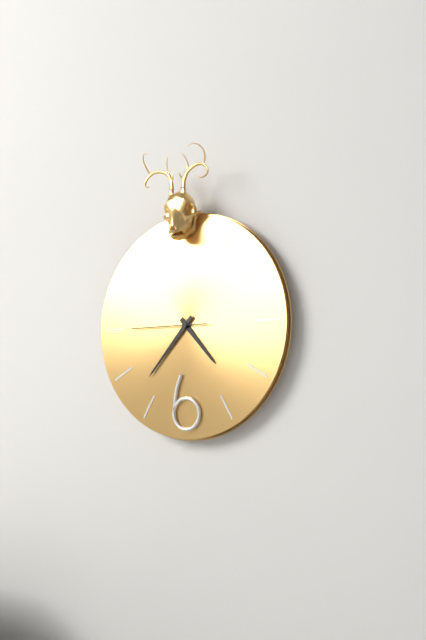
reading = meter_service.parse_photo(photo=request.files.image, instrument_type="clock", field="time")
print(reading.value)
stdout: 4:37:45
